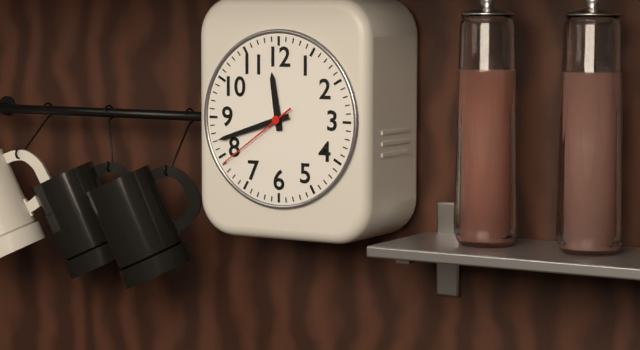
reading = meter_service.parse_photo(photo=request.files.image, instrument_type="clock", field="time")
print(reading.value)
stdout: 11:42:39
